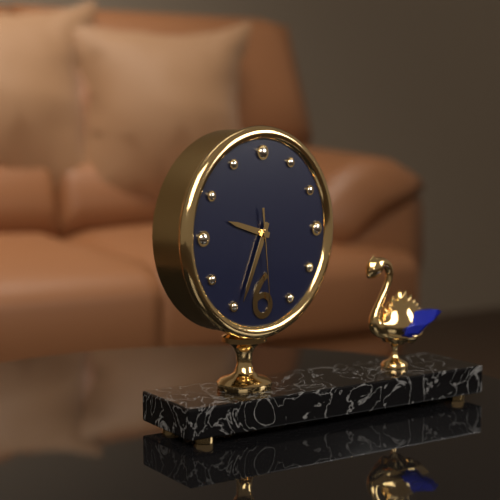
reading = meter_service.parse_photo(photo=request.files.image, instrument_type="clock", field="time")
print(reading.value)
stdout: 9:34:29
